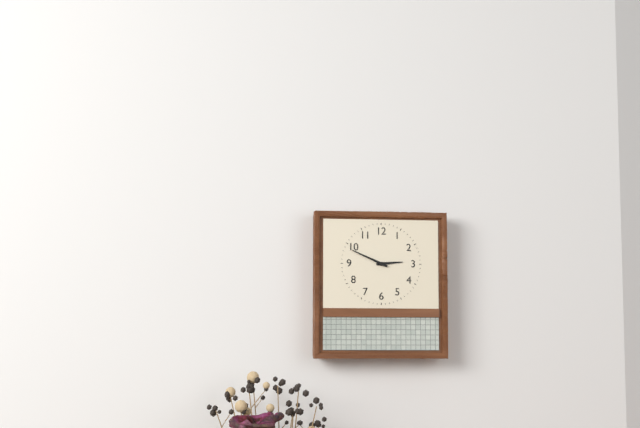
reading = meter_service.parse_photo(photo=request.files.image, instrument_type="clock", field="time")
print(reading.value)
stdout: 2:49
